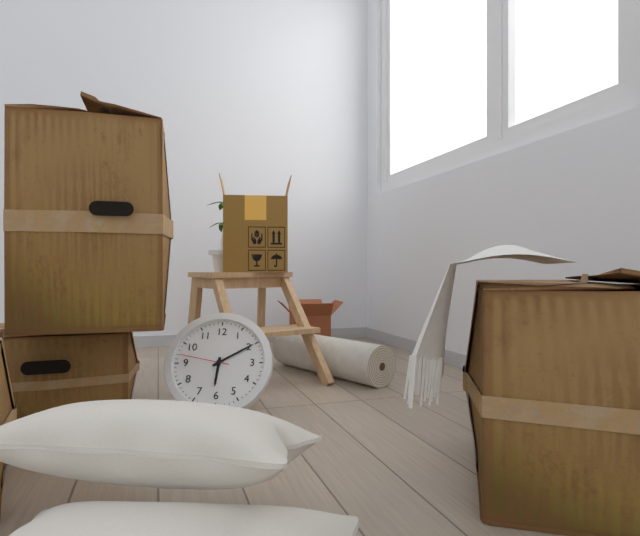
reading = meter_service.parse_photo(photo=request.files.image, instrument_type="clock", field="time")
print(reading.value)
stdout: 6:10:47
